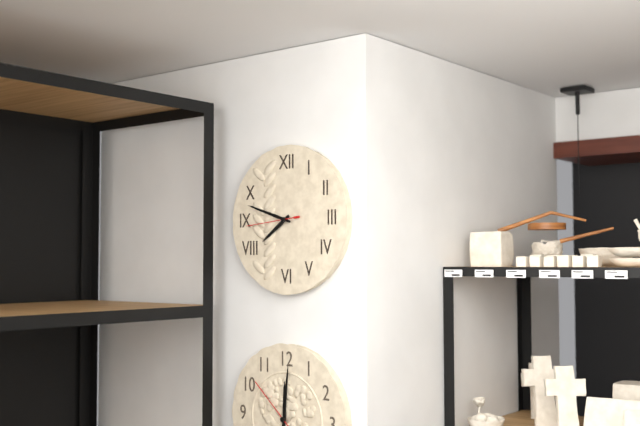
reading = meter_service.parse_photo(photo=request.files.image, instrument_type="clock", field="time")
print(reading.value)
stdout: 7:48
